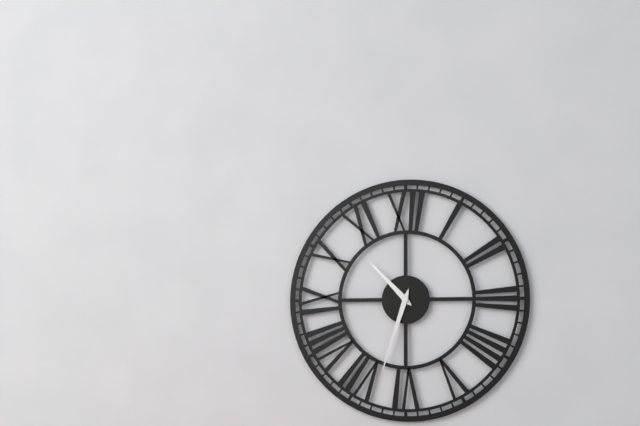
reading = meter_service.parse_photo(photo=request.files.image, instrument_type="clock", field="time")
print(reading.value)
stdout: 10:33
